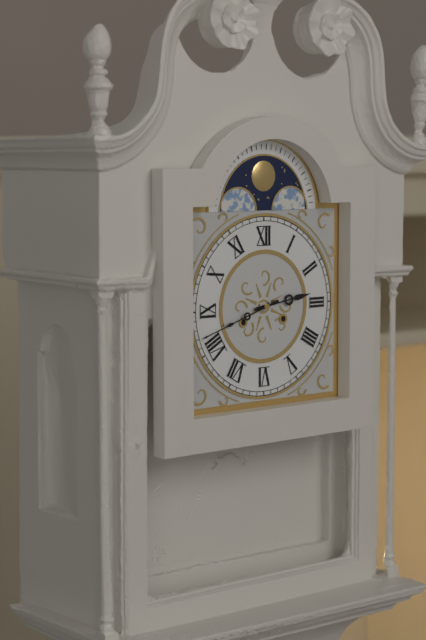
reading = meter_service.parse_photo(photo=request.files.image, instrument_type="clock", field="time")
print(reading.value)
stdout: 2:42
